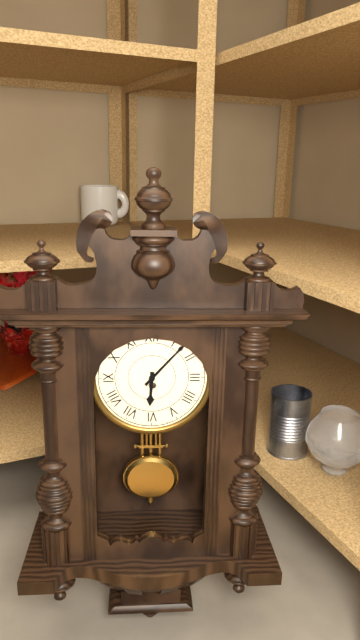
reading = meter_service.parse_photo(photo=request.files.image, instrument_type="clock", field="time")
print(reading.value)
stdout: 6:07
